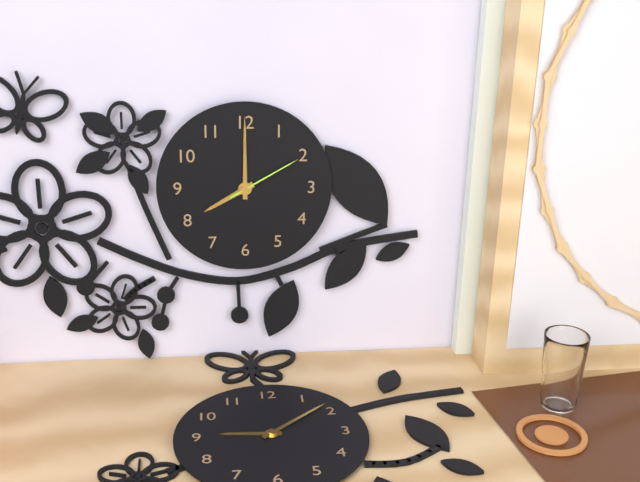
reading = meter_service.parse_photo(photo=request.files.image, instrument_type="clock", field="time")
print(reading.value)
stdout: 8:00:10
